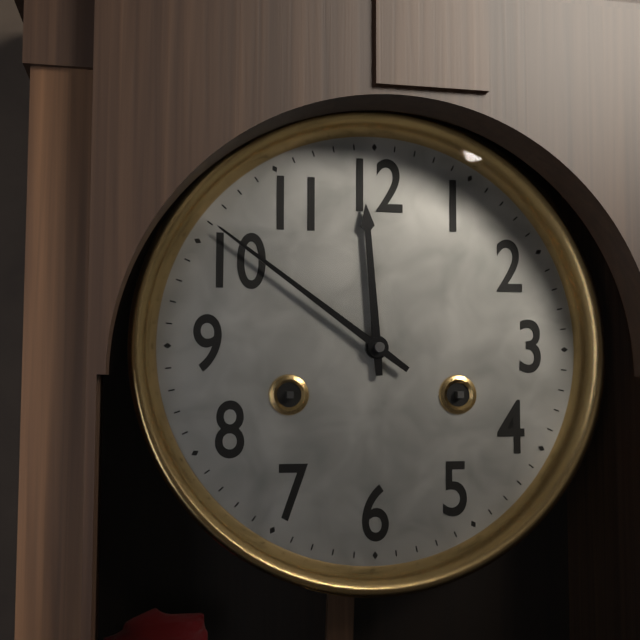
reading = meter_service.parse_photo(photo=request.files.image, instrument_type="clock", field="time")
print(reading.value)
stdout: 11:51
